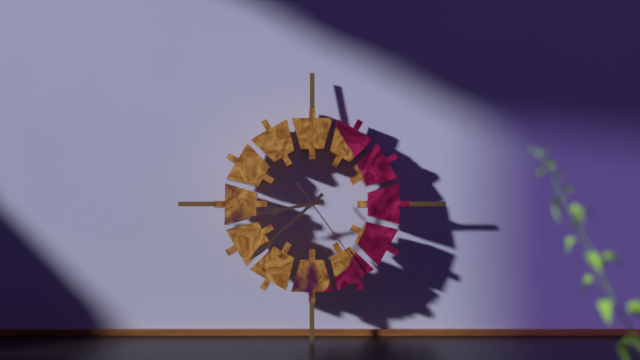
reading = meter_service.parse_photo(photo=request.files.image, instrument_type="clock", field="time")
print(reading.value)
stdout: 8:38:24
